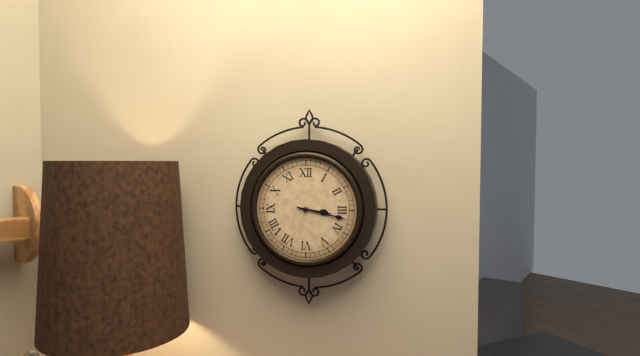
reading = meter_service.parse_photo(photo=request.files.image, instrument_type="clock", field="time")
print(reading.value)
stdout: 3:17
